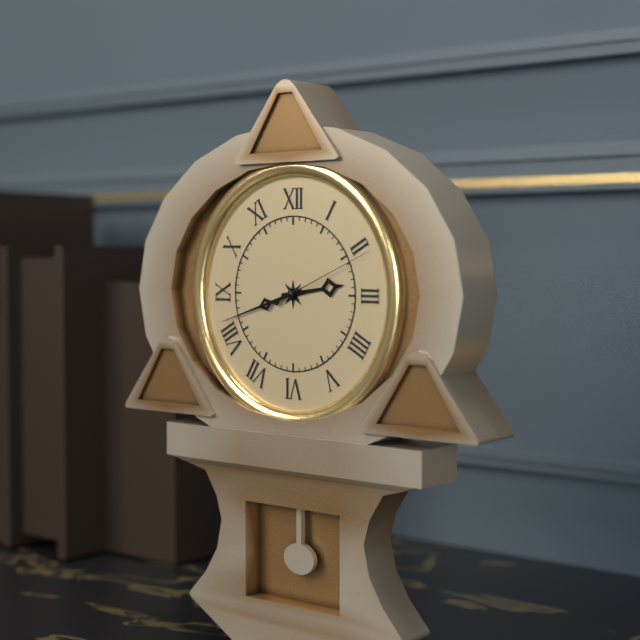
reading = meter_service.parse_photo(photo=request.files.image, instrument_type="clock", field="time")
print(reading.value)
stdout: 2:42:11
